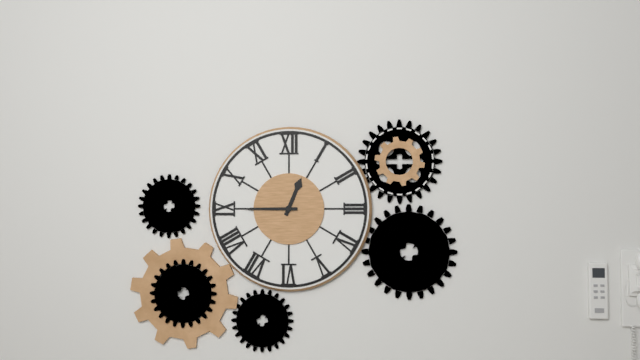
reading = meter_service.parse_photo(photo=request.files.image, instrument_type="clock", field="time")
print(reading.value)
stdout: 12:45
